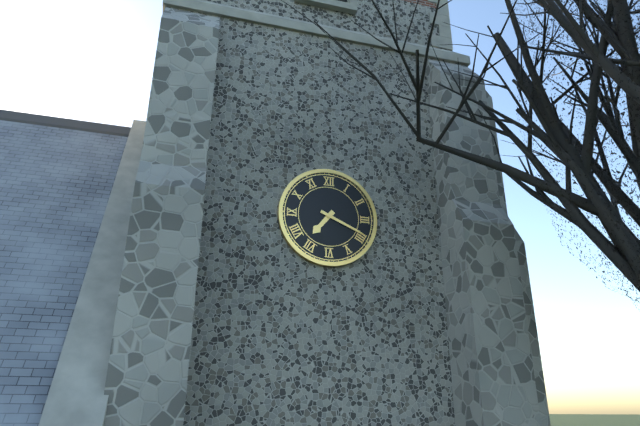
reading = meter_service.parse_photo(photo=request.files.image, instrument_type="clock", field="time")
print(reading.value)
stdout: 7:19
